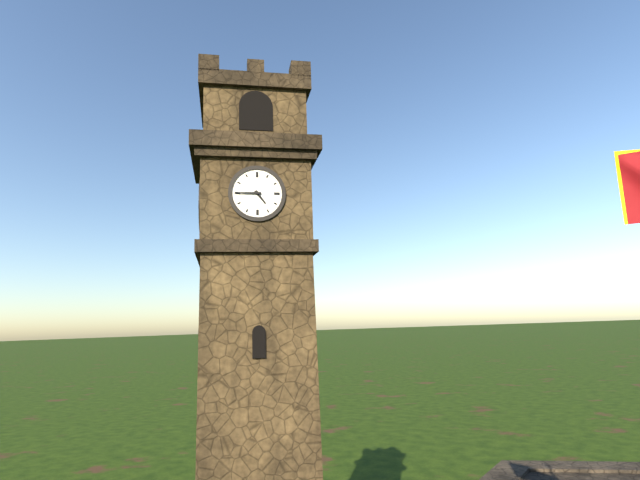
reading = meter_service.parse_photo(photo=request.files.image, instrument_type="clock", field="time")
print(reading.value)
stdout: 4:45
